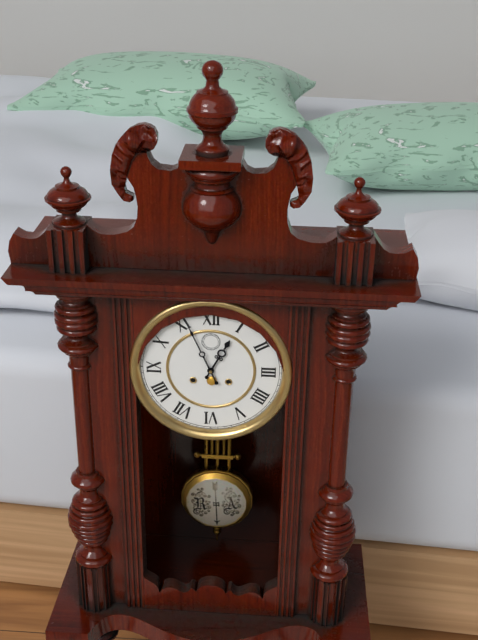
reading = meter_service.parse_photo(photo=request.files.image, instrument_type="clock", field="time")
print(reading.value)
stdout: 12:56
